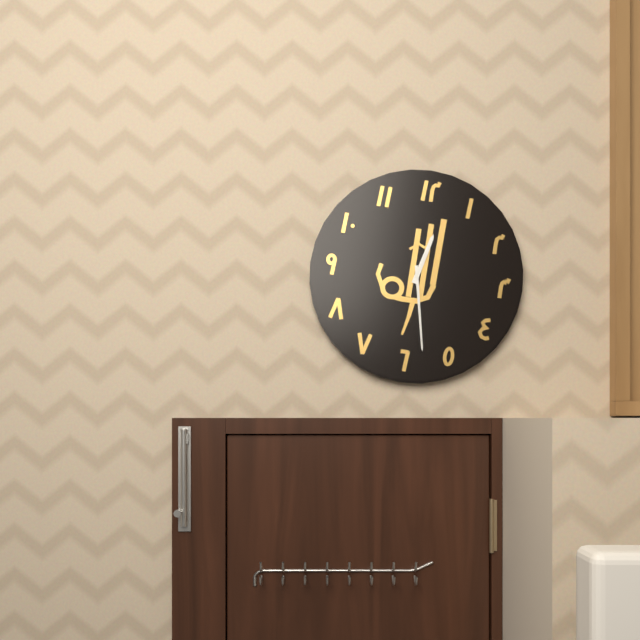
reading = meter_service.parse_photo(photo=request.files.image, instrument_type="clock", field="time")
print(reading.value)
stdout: 12:28
